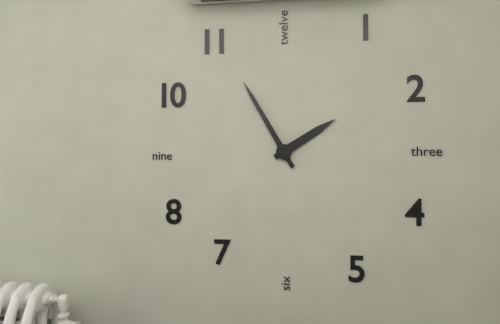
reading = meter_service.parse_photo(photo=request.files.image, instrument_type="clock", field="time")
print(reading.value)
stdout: 1:55
